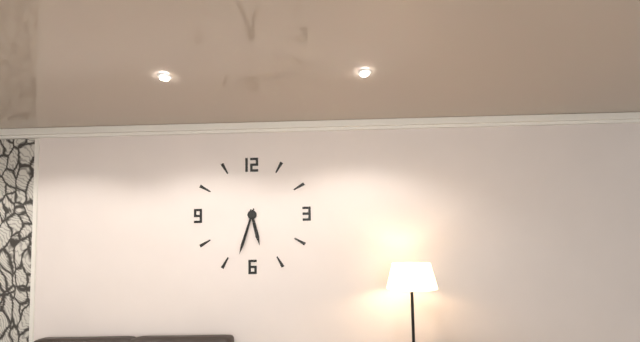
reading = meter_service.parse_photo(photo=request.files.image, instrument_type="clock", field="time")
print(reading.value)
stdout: 5:33
